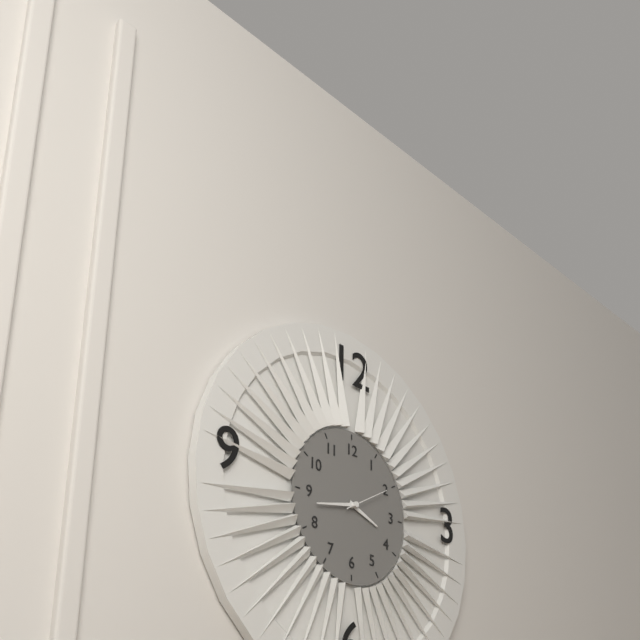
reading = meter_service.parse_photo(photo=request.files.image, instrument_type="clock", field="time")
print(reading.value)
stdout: 3:43
